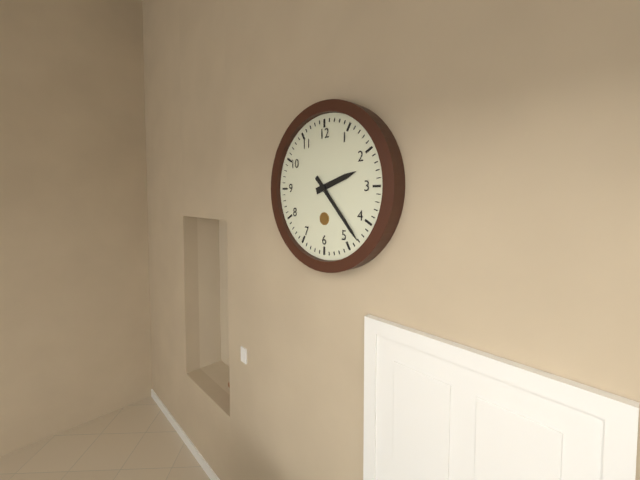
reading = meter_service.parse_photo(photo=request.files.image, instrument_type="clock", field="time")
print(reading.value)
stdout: 2:23
